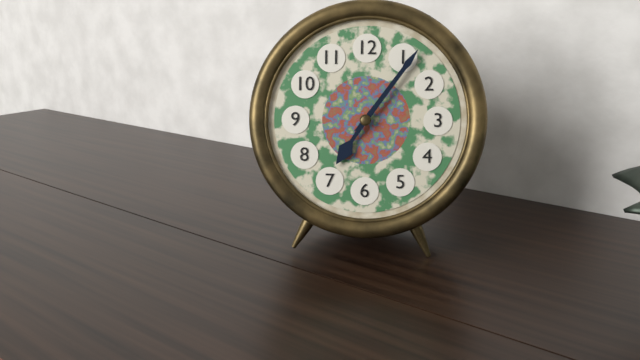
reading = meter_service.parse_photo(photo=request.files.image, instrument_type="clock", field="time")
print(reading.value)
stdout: 7:06
